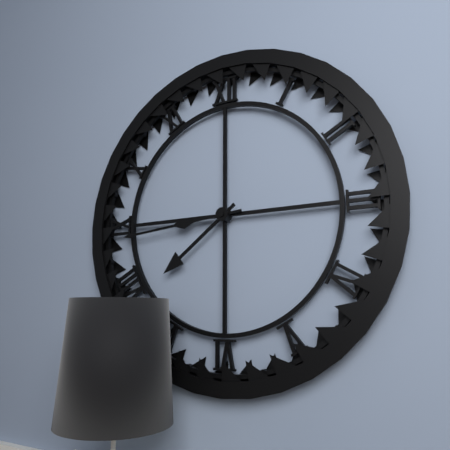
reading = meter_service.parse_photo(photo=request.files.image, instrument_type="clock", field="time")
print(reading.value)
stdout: 7:44
